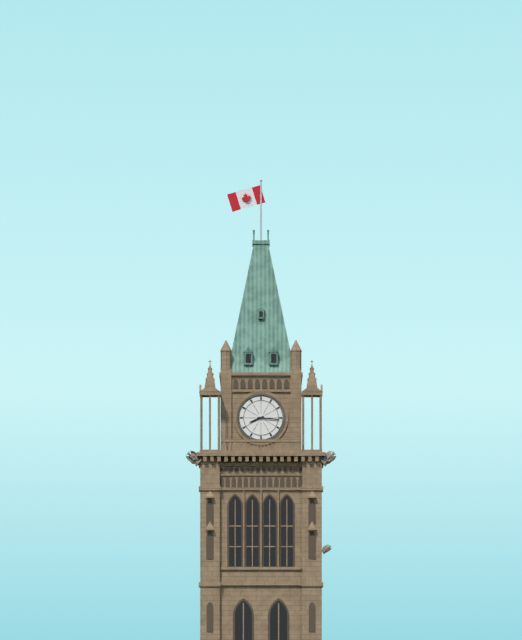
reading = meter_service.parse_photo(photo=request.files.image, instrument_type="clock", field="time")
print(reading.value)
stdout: 8:16
